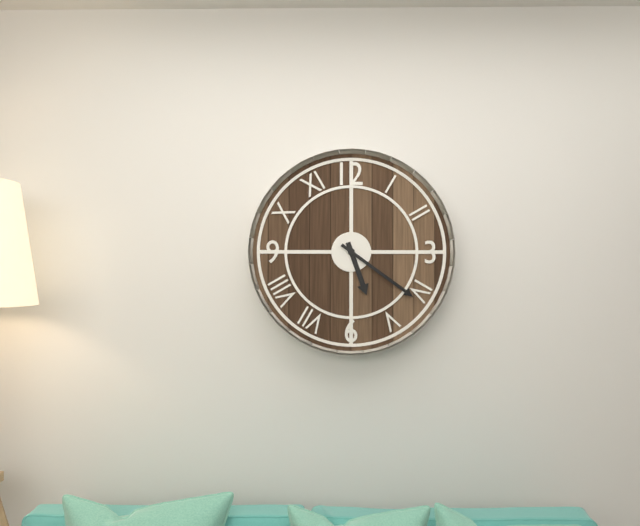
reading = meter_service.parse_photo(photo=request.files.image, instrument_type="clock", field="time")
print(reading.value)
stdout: 5:21
